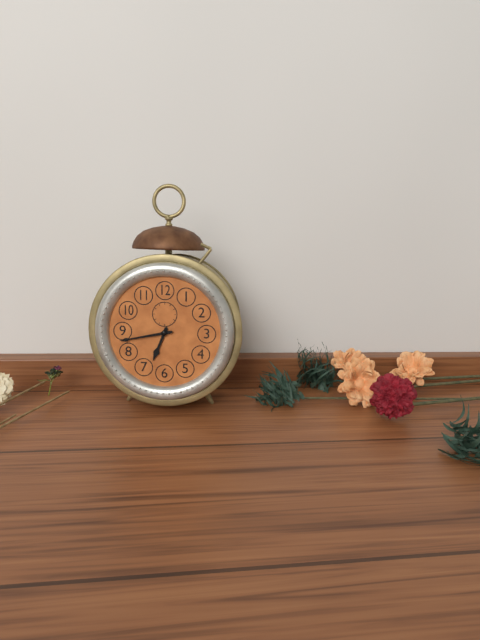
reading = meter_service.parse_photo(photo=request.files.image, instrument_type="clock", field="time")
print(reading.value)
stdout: 6:43
